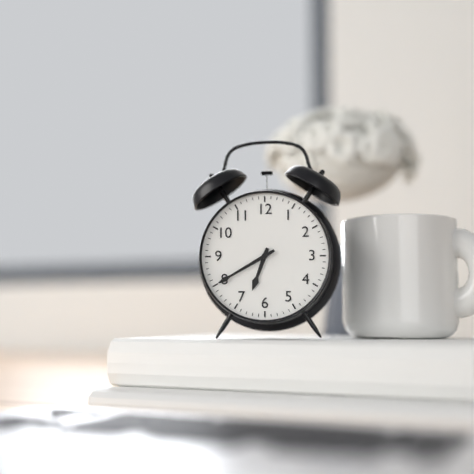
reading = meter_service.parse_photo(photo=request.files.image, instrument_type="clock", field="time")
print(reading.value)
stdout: 6:40
